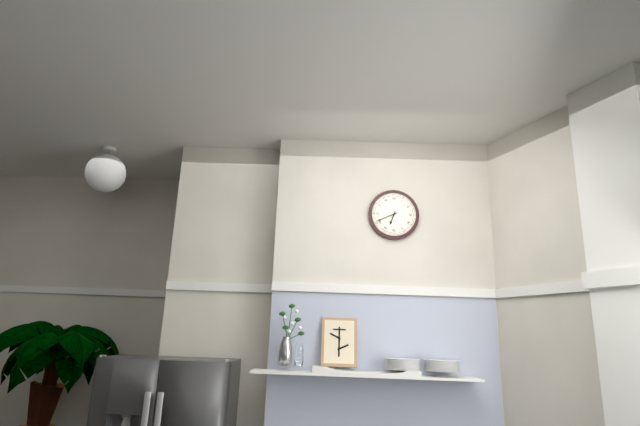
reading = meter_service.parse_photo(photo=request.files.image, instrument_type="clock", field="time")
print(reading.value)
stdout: 6:41
